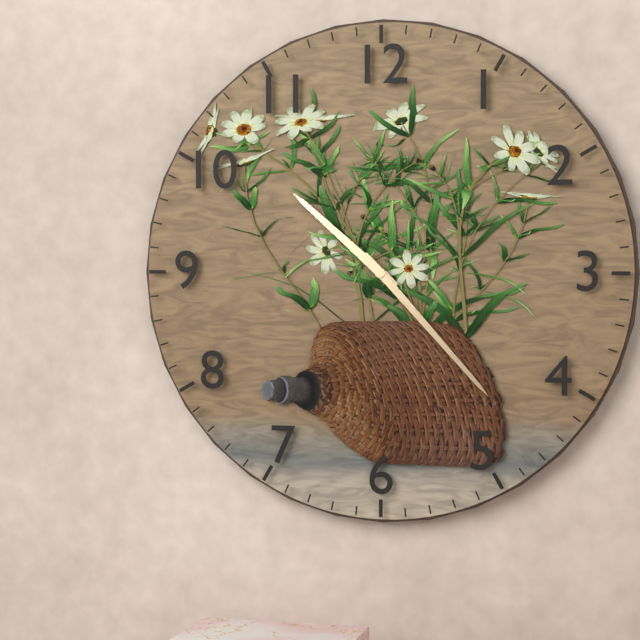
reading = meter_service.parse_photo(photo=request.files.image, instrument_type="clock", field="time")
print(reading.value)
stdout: 10:23
